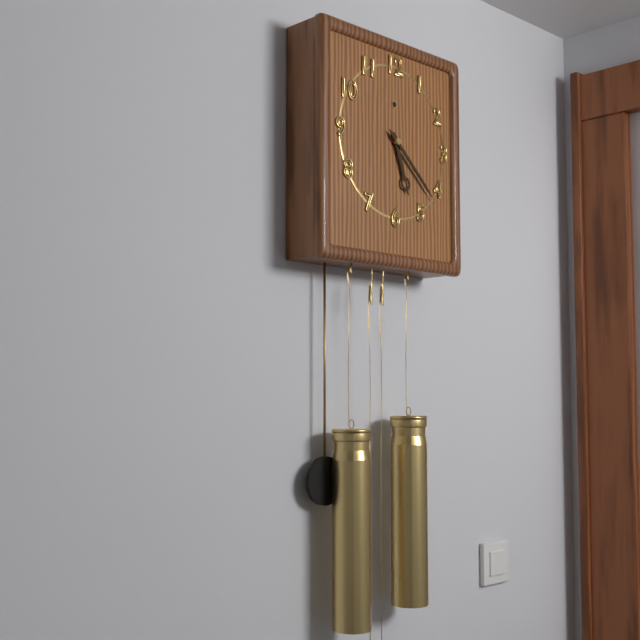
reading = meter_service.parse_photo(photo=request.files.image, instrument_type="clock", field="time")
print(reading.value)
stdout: 5:22
